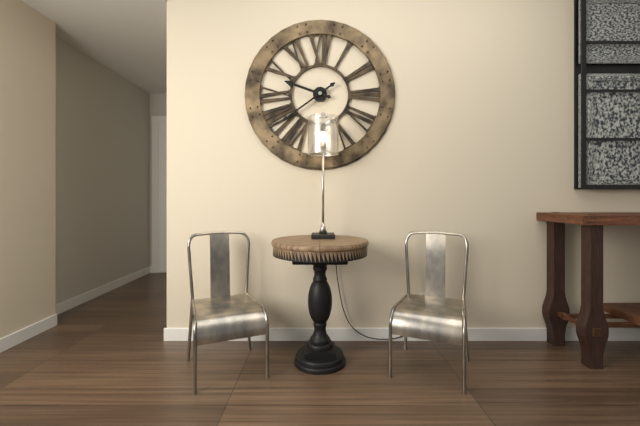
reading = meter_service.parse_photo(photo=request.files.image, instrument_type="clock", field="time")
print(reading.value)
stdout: 9:39
